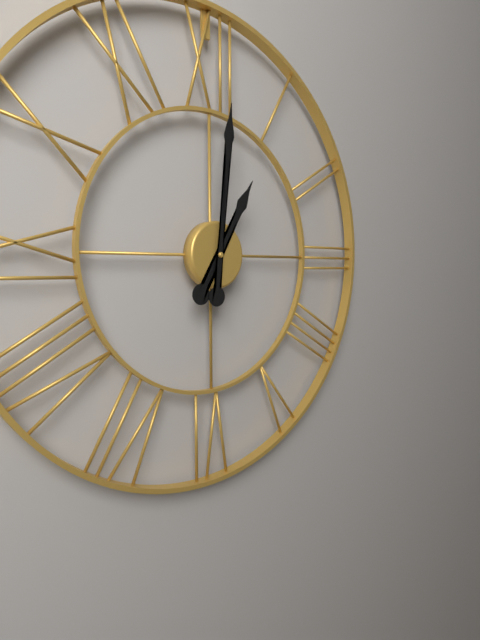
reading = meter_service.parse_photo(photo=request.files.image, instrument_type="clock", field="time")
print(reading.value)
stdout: 1:01
